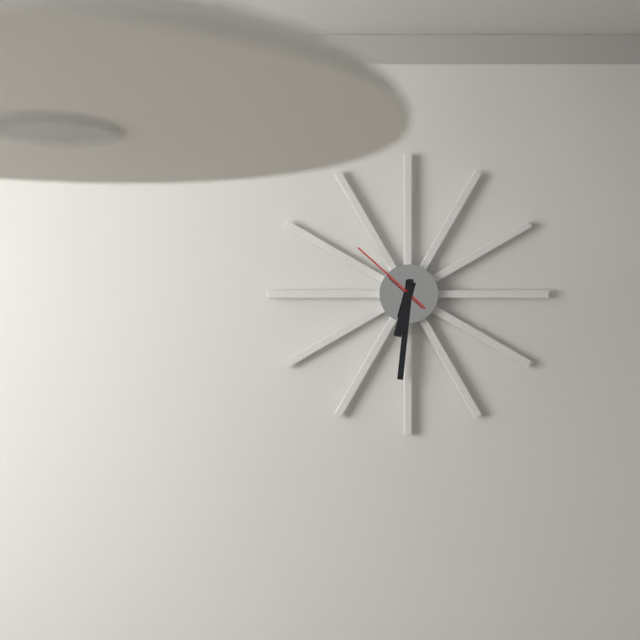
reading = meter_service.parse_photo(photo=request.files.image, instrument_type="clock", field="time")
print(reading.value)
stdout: 6:31:52
